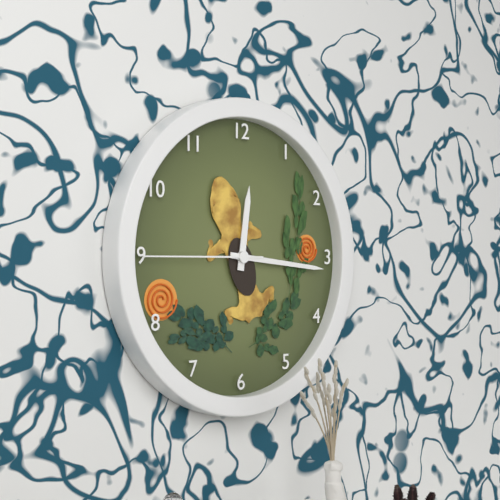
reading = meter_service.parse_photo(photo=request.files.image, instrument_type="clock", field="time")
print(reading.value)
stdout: 12:16:45
